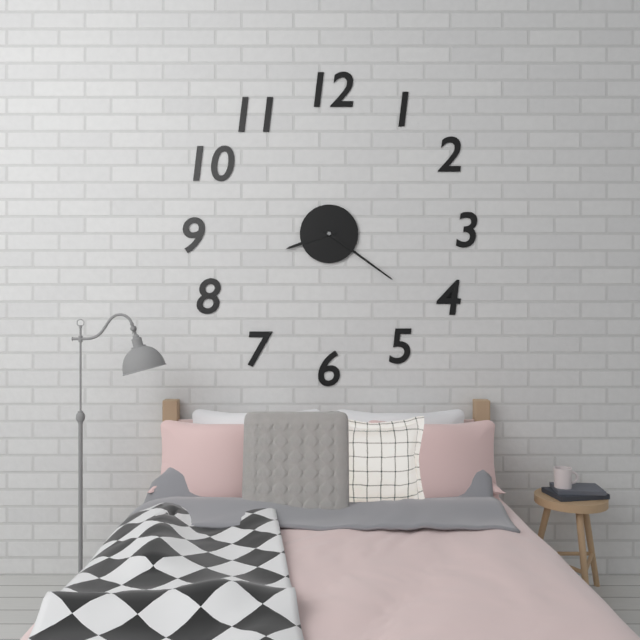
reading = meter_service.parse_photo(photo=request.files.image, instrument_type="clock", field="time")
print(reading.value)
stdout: 8:21
